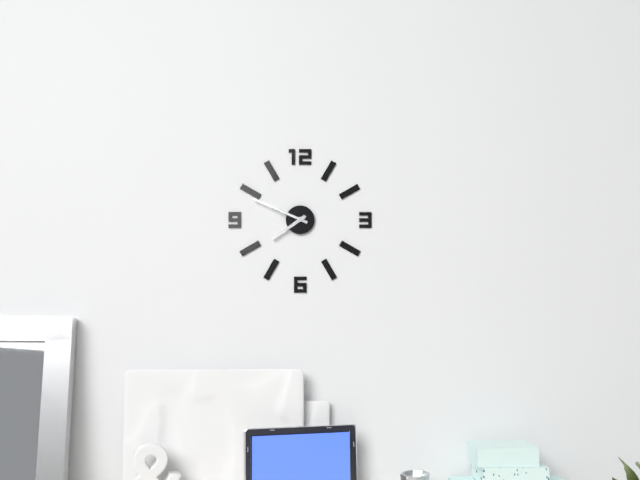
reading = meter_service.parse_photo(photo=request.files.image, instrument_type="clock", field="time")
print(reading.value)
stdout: 7:49
